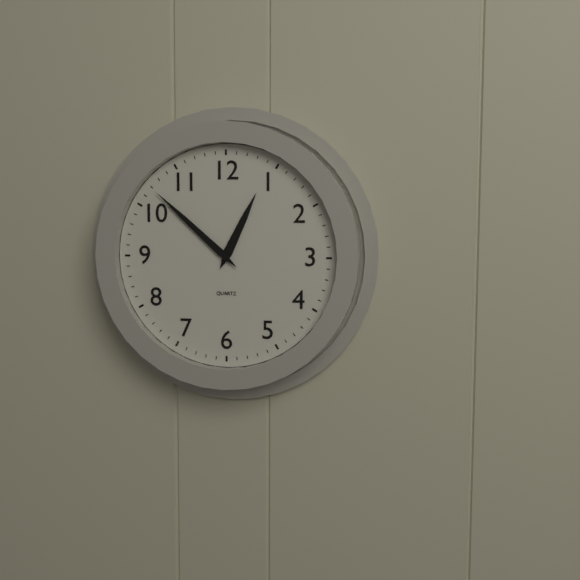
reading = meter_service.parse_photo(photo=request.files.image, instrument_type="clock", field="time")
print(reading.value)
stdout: 12:52
